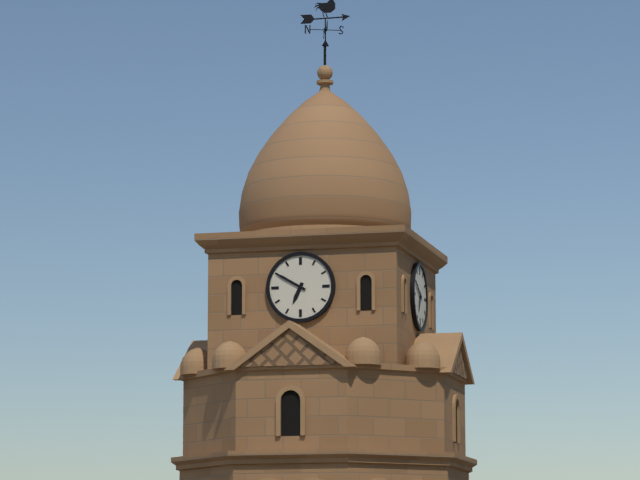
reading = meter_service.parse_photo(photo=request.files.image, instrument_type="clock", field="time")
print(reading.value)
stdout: 6:50
